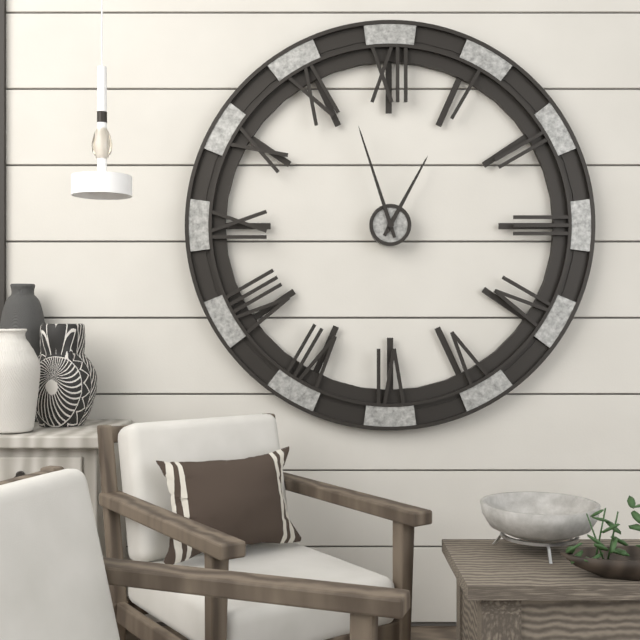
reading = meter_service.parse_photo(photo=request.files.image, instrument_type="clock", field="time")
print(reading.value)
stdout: 12:57
